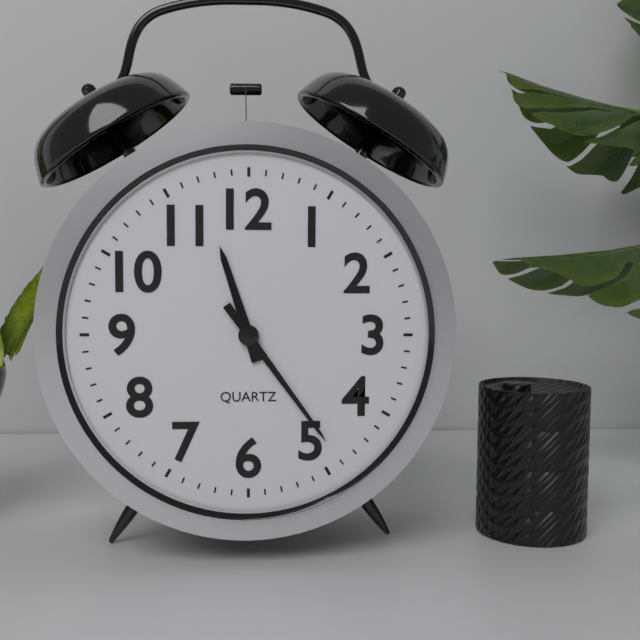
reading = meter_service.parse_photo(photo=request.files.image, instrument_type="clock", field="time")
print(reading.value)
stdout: 11:24
